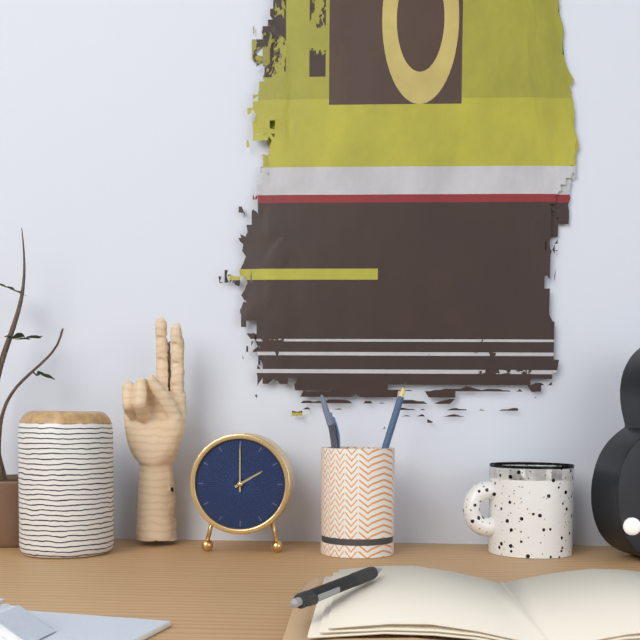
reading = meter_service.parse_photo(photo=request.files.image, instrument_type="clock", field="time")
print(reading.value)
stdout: 2:00
